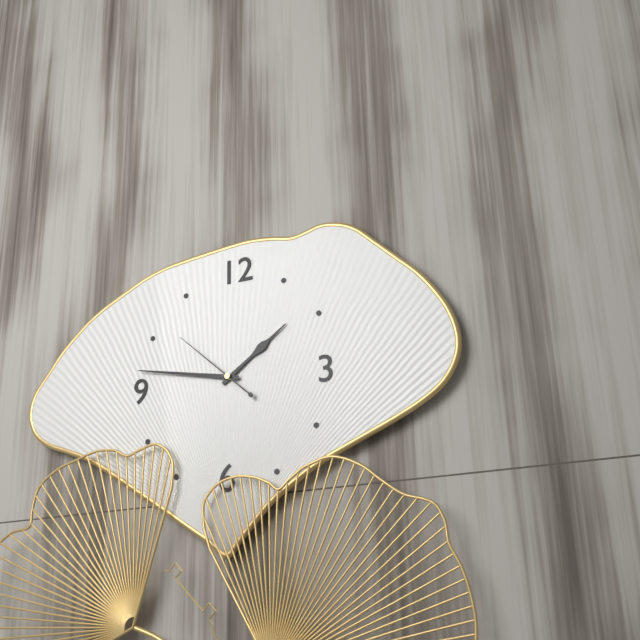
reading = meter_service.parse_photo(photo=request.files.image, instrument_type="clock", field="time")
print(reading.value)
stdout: 1:47:52
